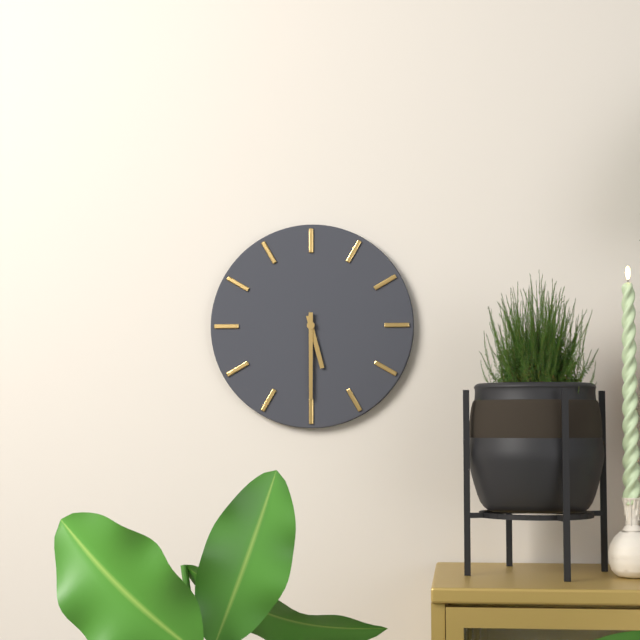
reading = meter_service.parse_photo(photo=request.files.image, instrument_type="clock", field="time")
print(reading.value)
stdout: 5:30
